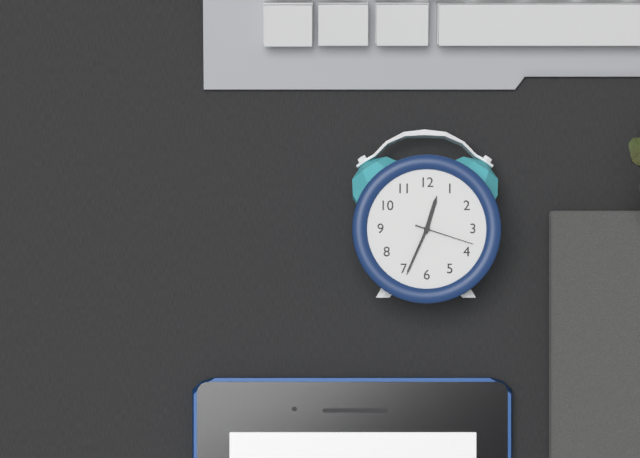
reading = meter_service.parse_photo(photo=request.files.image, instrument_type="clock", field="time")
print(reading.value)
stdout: 12:34:18
